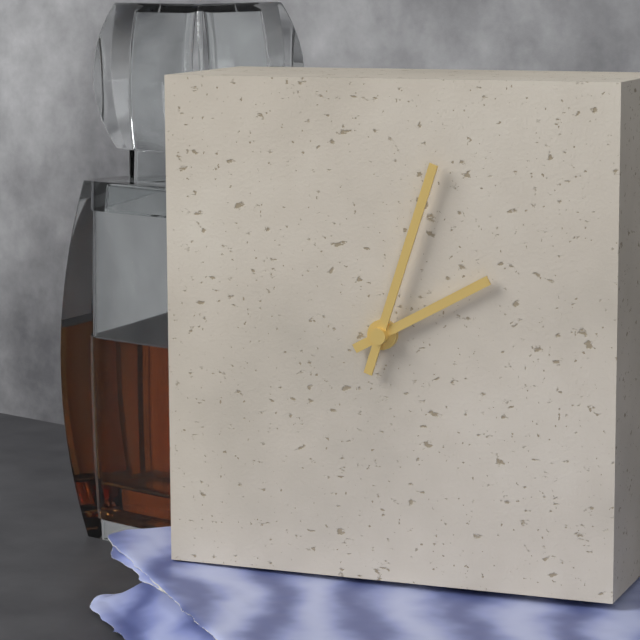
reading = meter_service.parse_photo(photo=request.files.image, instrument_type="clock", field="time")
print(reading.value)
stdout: 2:03
